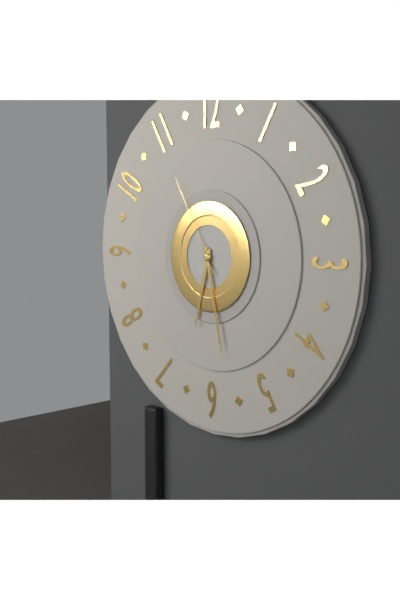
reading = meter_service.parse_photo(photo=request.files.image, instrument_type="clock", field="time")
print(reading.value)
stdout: 6:28:55
